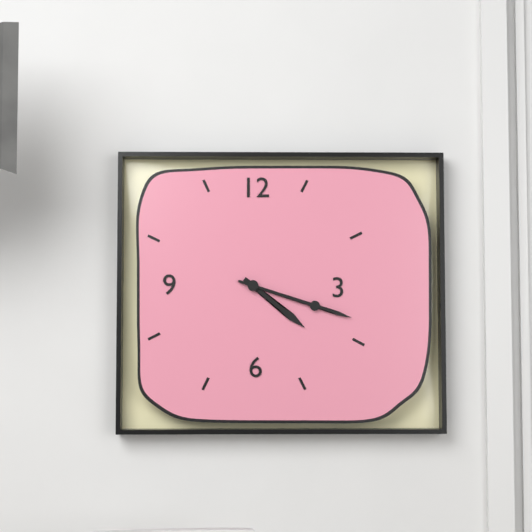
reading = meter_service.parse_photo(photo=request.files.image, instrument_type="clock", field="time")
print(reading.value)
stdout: 4:18
